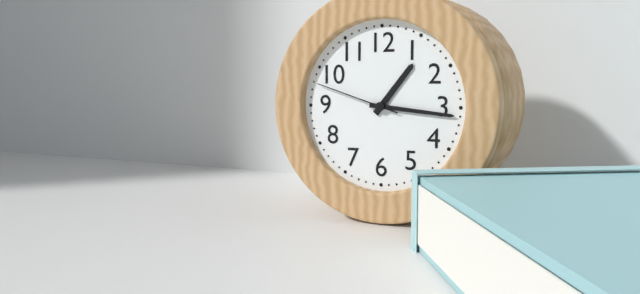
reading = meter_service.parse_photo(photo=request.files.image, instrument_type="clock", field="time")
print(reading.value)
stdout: 1:16:48
